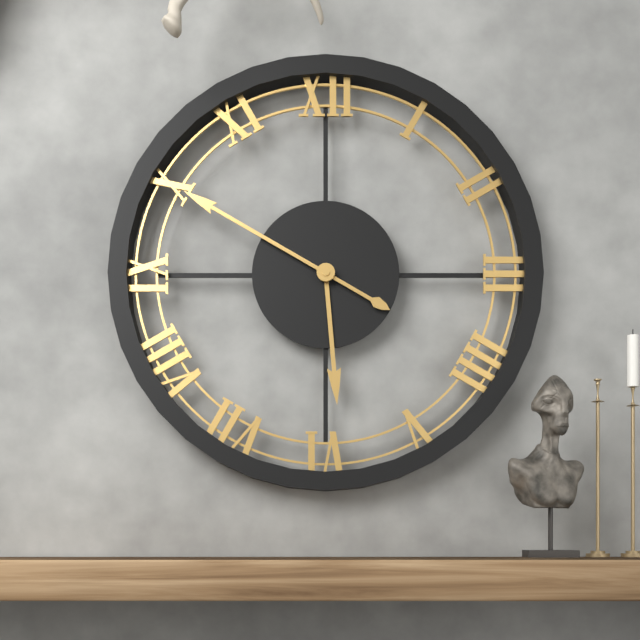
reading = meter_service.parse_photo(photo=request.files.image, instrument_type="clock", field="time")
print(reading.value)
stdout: 5:50
